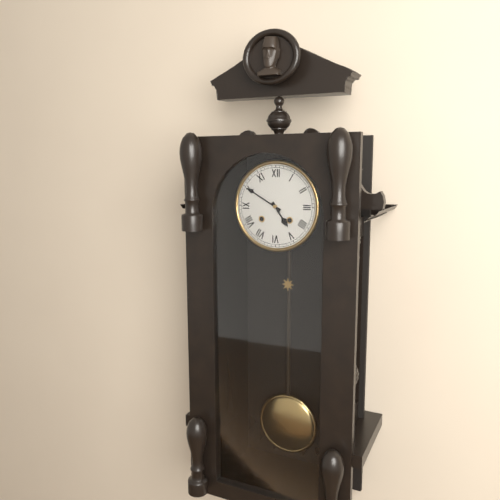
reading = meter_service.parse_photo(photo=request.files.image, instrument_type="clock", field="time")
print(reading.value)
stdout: 4:50
